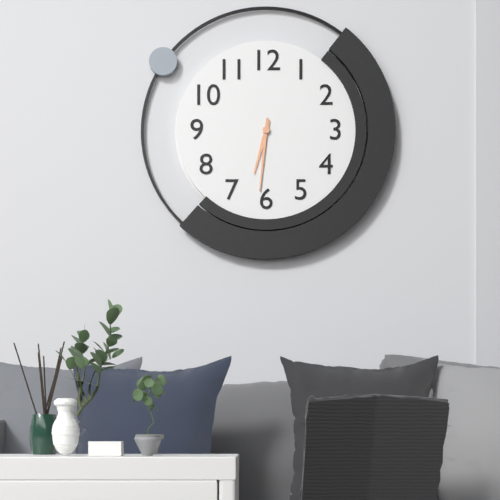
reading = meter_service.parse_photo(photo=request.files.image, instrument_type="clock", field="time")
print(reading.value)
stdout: 6:31
